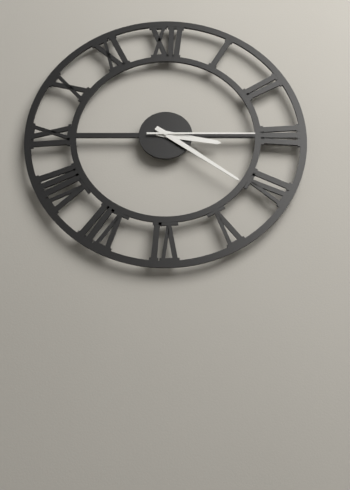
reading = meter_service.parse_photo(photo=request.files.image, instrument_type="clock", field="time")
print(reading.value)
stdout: 3:21:15
